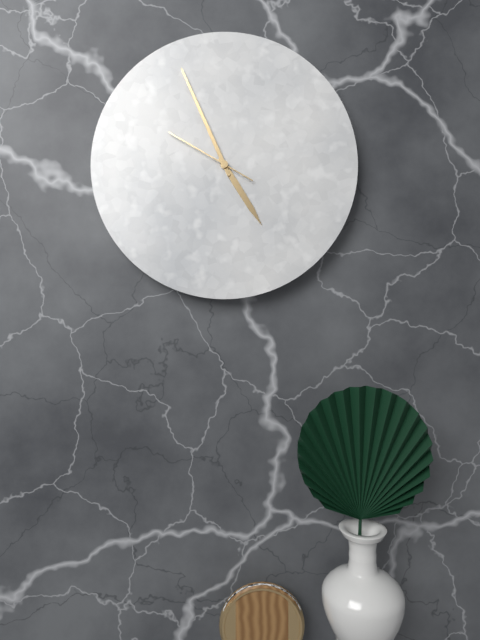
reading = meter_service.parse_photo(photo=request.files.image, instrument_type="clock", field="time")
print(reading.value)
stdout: 4:56:50
